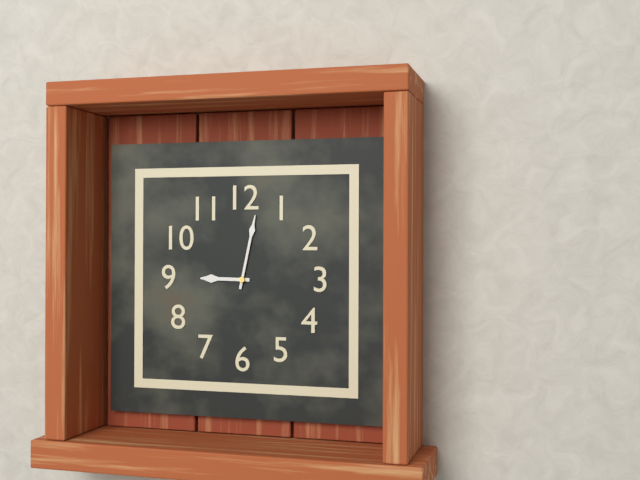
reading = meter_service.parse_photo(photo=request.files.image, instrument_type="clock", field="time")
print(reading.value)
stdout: 9:02
